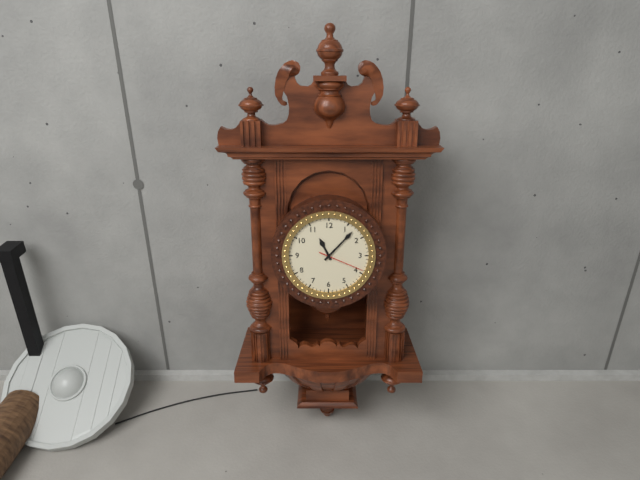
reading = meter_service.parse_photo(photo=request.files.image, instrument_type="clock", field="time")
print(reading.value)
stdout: 11:07
